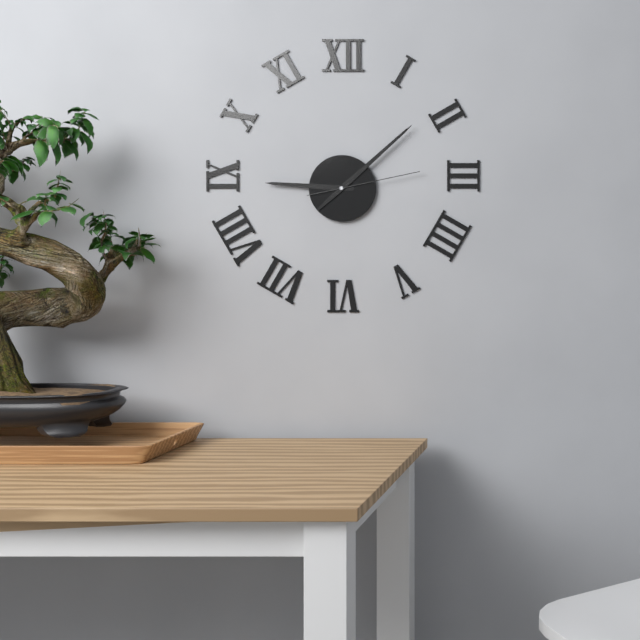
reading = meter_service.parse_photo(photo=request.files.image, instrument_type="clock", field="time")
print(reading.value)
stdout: 9:08:13
